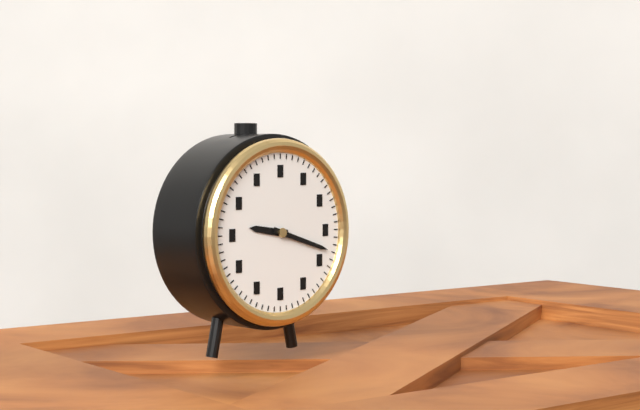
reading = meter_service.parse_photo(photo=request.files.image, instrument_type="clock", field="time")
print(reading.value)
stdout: 9:18
